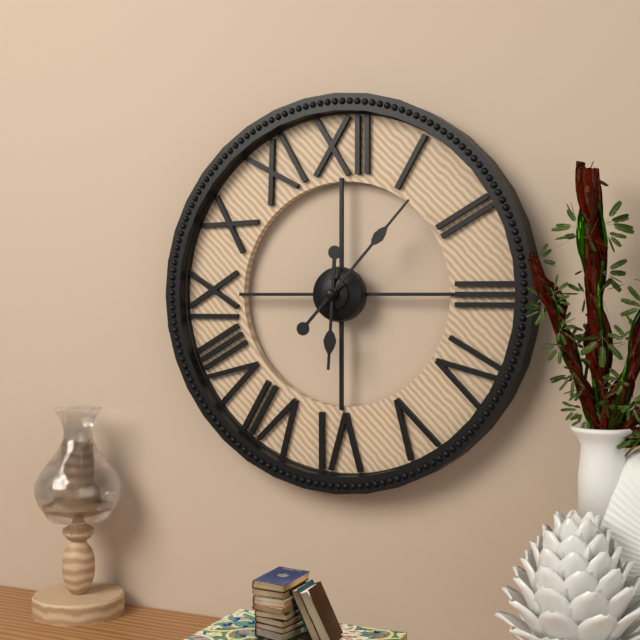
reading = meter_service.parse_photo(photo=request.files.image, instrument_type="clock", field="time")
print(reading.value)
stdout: 6:07
